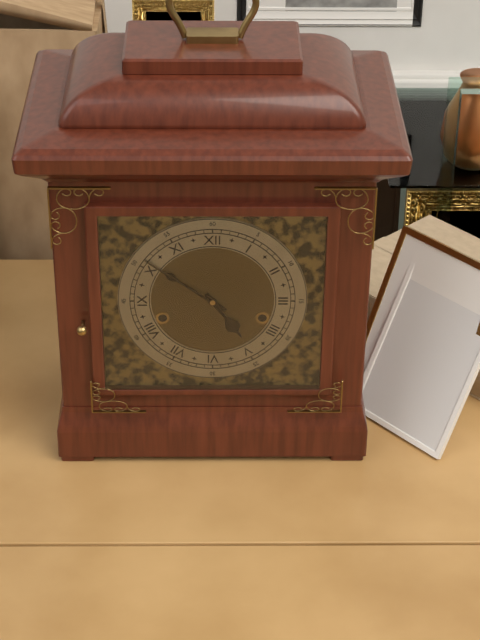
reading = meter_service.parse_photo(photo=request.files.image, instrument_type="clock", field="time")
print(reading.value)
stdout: 4:51
